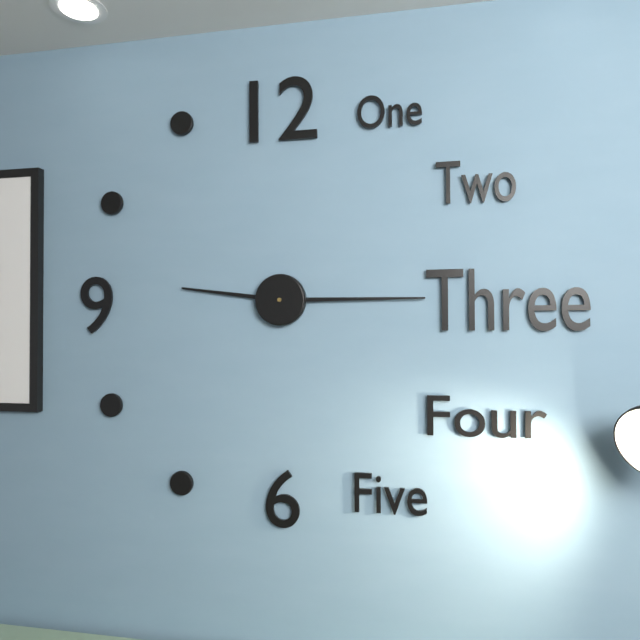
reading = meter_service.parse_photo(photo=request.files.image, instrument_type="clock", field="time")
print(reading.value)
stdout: 9:15
